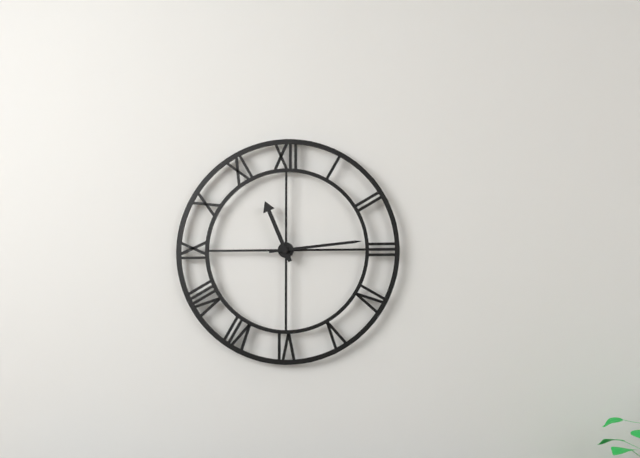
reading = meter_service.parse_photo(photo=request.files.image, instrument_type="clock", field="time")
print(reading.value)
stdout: 11:14
